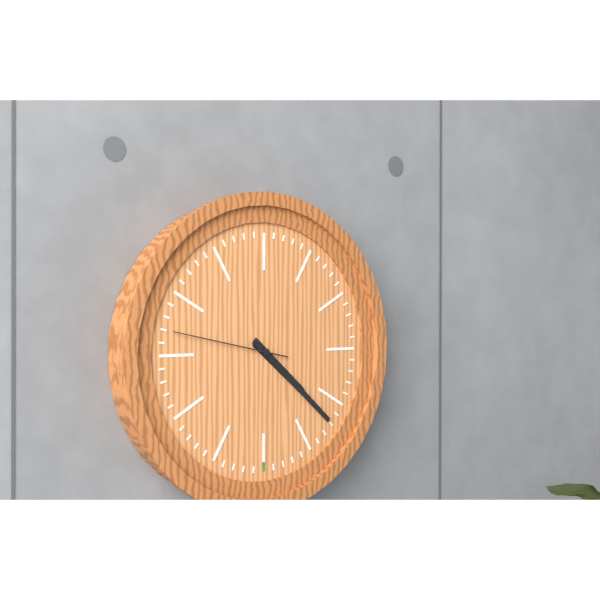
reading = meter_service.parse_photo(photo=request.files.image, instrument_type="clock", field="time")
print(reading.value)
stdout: 4:22:47
